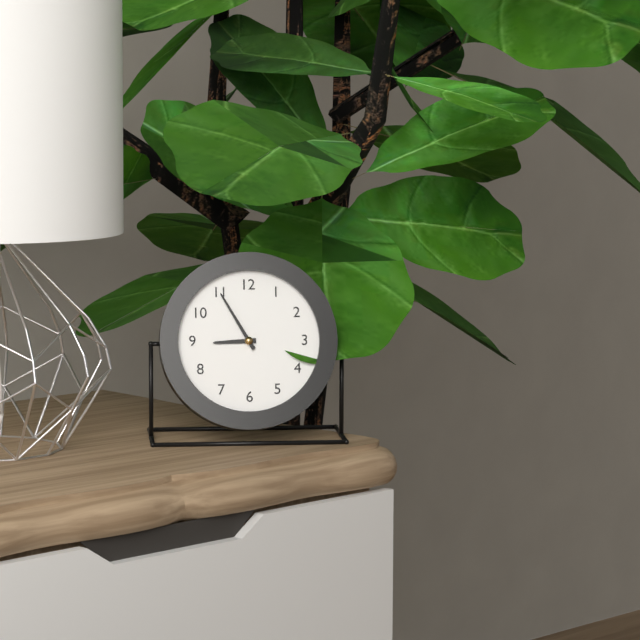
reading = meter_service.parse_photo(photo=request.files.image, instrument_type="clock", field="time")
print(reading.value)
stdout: 8:55
